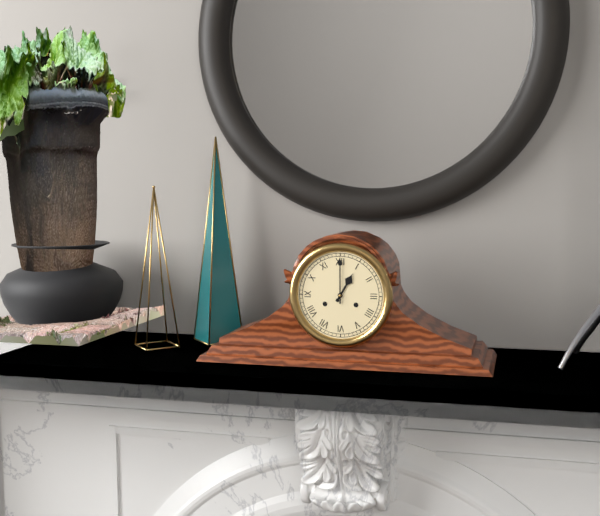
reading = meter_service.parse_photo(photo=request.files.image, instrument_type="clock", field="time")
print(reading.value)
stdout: 1:00
